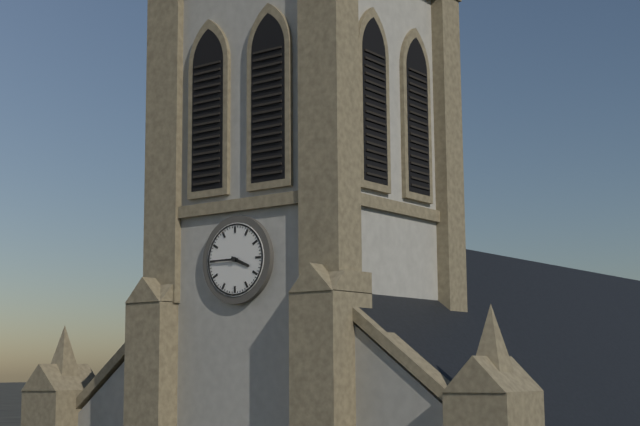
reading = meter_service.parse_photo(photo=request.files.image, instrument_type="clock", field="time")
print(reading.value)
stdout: 3:45
